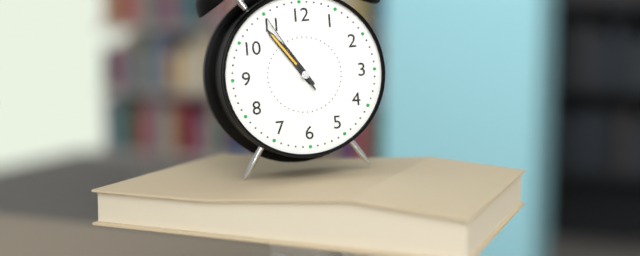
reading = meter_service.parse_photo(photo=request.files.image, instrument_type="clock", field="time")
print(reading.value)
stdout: 10:54:55
